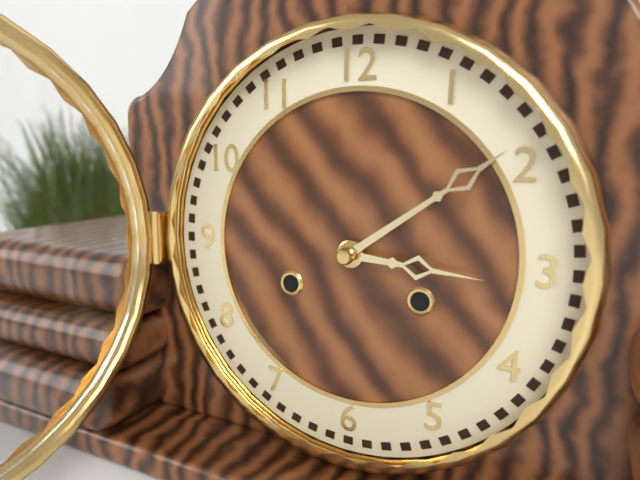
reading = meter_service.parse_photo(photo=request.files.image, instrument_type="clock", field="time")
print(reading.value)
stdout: 3:09
